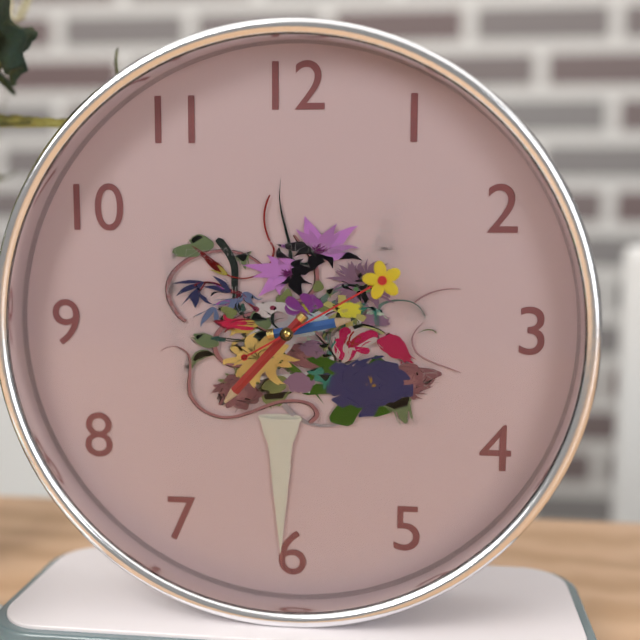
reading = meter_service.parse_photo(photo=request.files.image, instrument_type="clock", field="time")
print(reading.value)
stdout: 2:37:10
